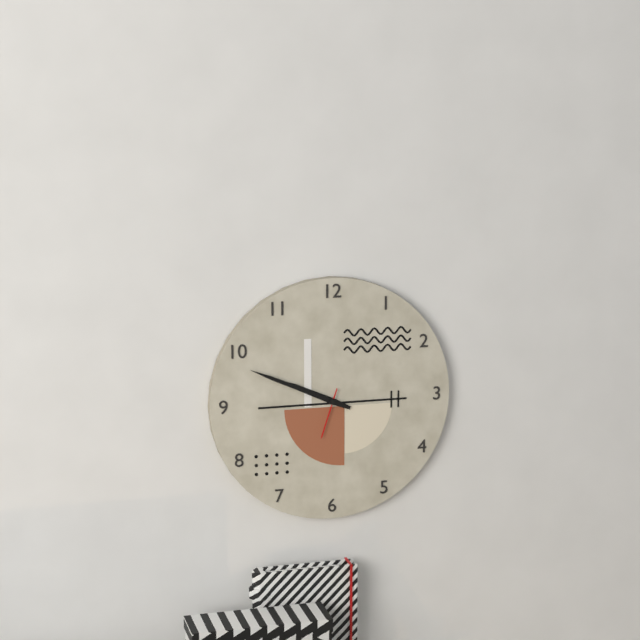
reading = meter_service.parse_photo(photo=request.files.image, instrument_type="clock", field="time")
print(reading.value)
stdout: 9:49
